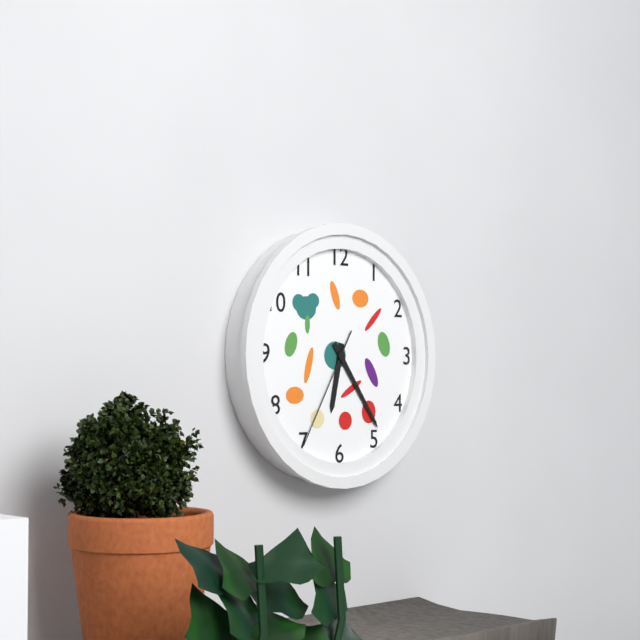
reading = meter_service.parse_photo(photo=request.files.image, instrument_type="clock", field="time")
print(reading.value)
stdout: 6:24:35
